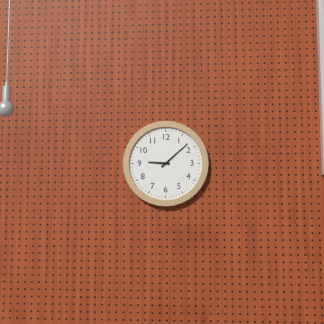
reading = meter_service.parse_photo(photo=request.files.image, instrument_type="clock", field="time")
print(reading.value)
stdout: 9:08
